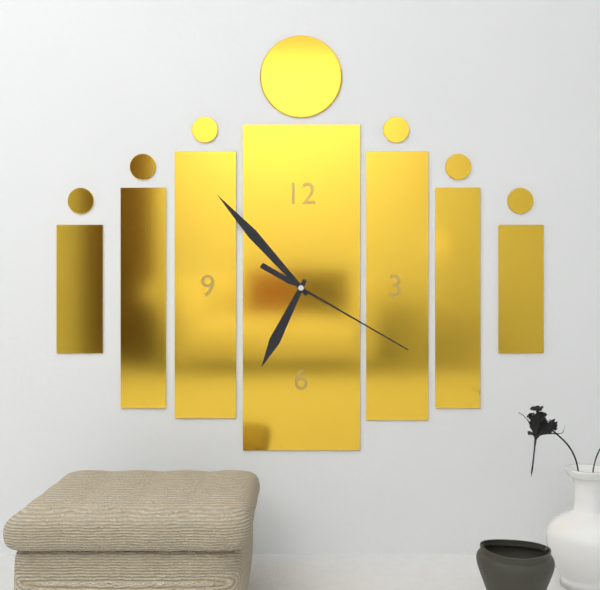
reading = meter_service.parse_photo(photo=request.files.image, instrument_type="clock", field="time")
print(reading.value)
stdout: 6:53:20
